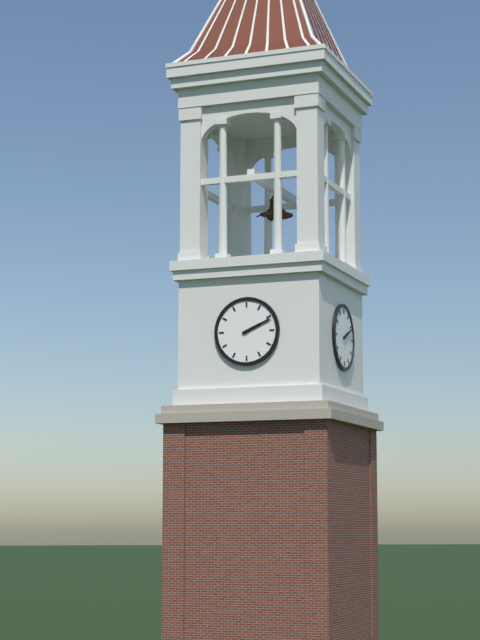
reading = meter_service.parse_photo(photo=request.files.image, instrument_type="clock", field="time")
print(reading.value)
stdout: 2:11
